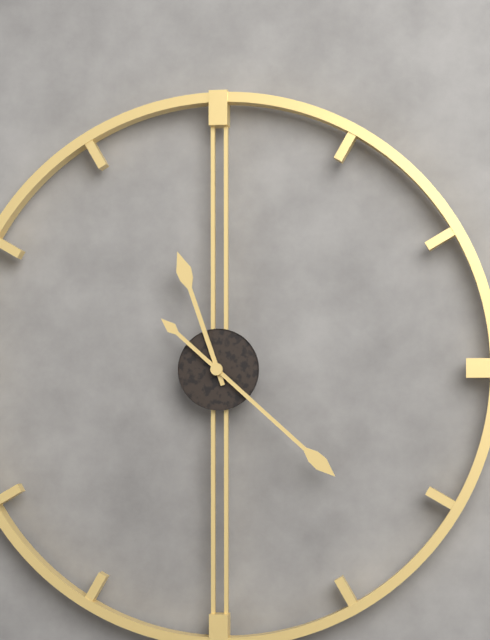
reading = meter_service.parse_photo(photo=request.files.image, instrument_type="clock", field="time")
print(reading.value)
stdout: 11:22
